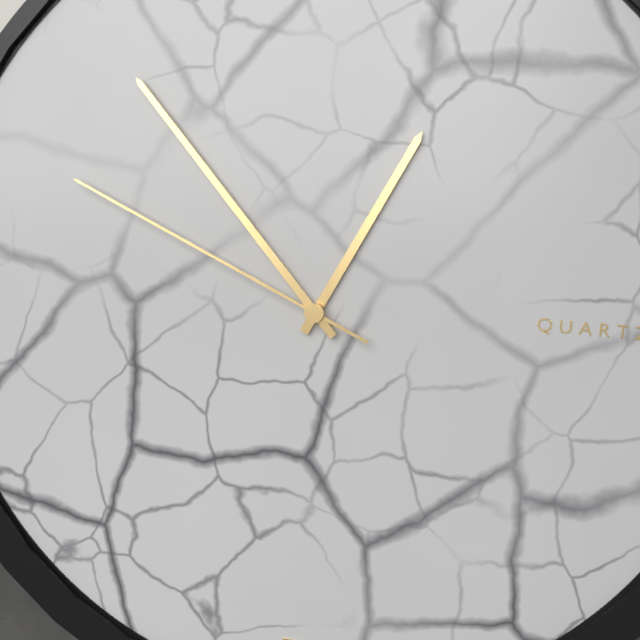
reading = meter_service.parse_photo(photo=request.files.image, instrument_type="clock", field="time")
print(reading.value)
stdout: 12:53:49
